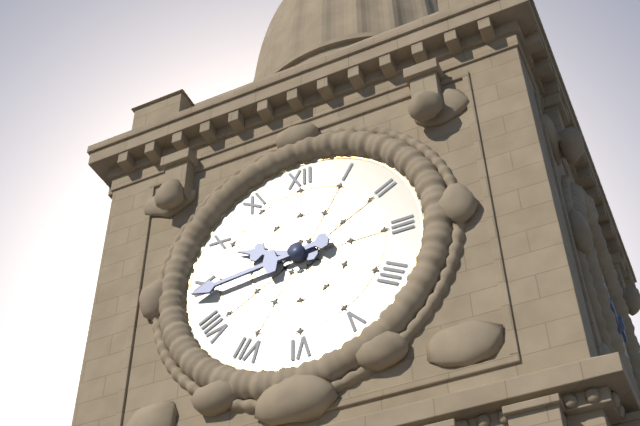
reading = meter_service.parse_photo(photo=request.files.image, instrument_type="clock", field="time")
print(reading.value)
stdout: 9:44
